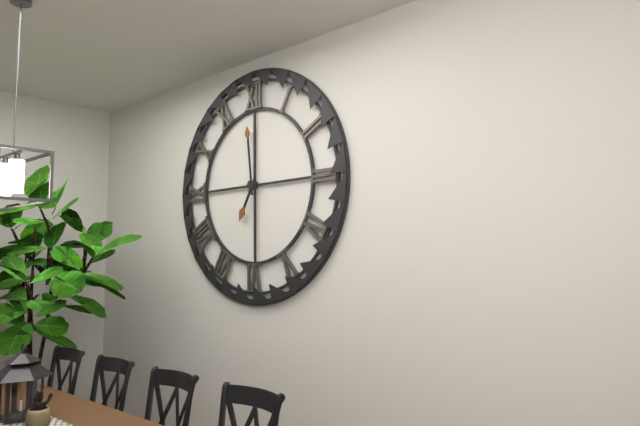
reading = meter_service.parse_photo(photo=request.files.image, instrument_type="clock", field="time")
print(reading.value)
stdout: 6:59
